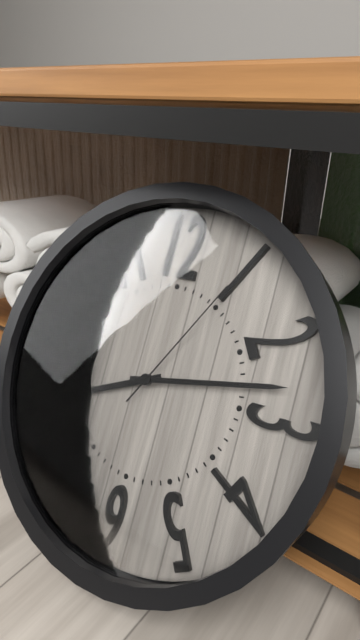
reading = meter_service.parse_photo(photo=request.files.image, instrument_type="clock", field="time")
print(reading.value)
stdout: 8:13:05
